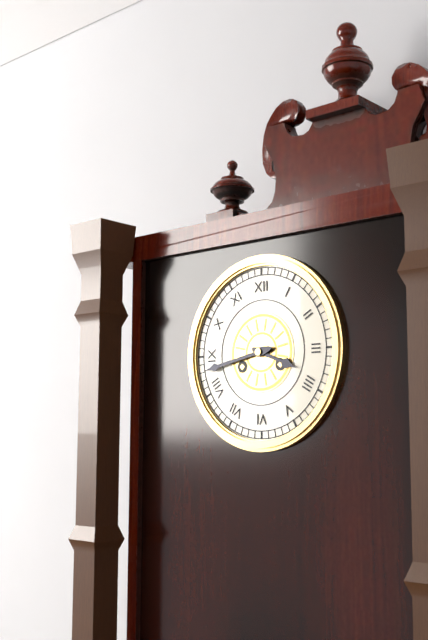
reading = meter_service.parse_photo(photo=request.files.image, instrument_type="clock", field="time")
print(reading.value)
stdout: 3:43
